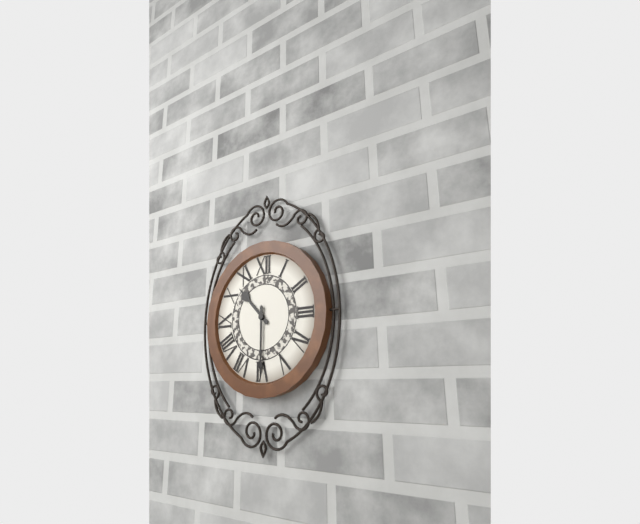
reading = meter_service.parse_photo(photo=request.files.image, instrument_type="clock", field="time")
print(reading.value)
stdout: 10:30
